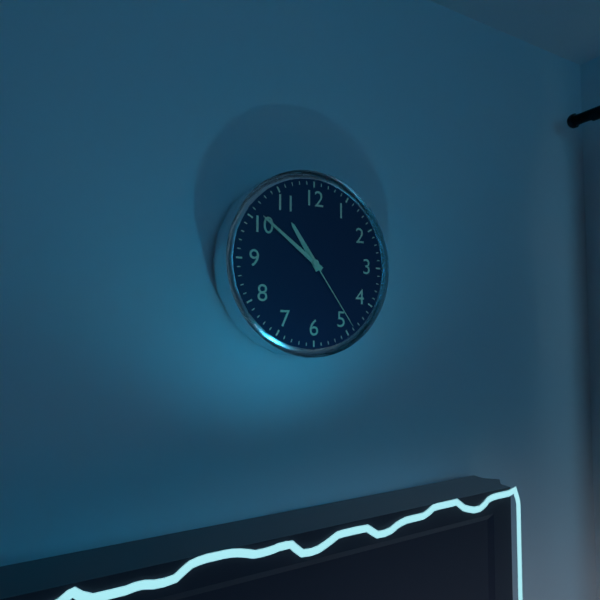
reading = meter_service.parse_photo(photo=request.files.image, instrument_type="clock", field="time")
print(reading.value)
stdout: 10:51:24
